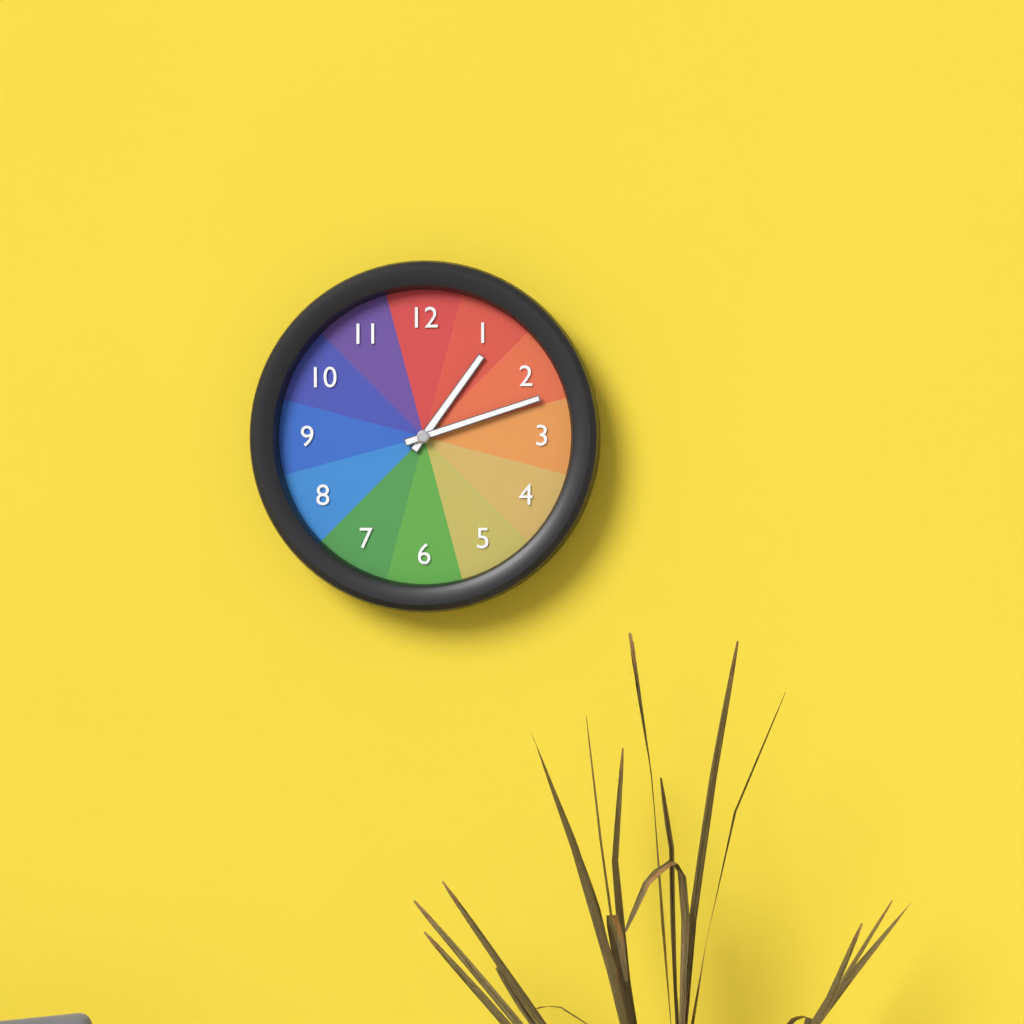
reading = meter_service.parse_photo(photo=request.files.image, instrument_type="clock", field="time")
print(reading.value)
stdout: 1:12
